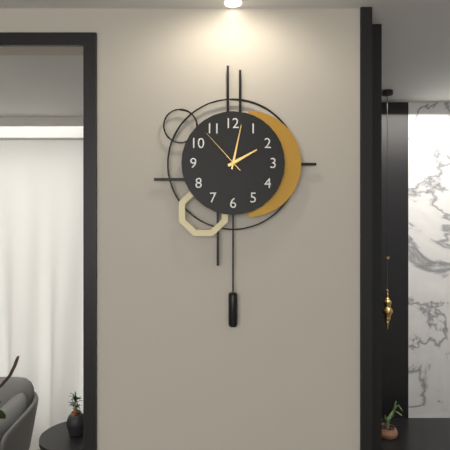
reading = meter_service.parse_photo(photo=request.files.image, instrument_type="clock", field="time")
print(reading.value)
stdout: 2:02:53
